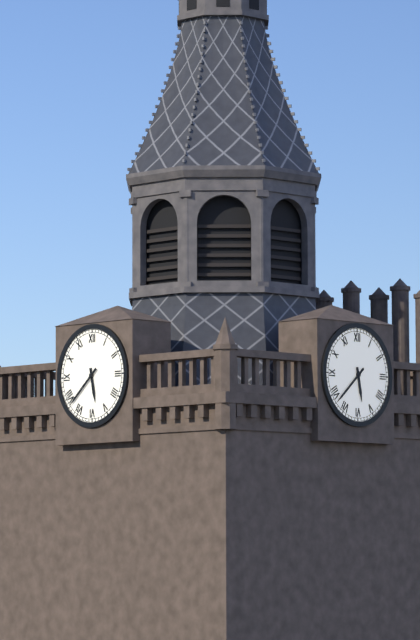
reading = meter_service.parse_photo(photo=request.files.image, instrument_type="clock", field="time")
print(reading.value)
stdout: 5:38
